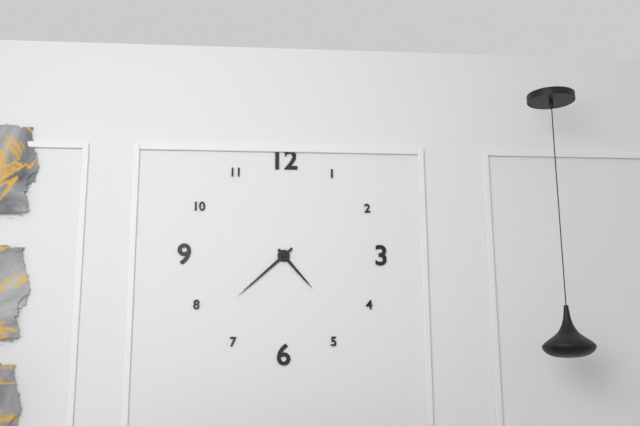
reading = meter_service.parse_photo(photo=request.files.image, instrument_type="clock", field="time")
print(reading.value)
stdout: 4:38
